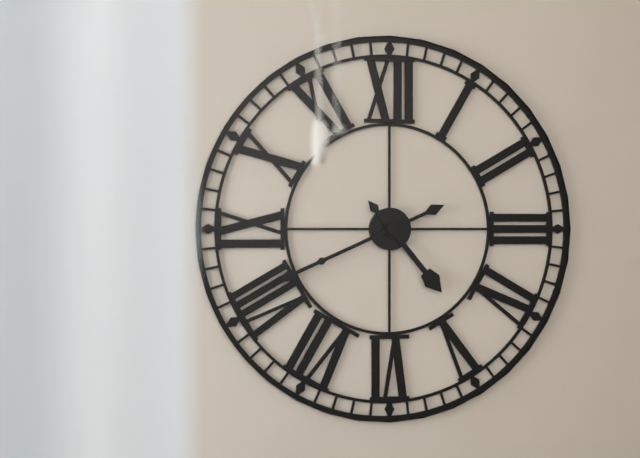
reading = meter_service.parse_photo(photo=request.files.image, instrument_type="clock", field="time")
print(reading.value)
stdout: 4:41
